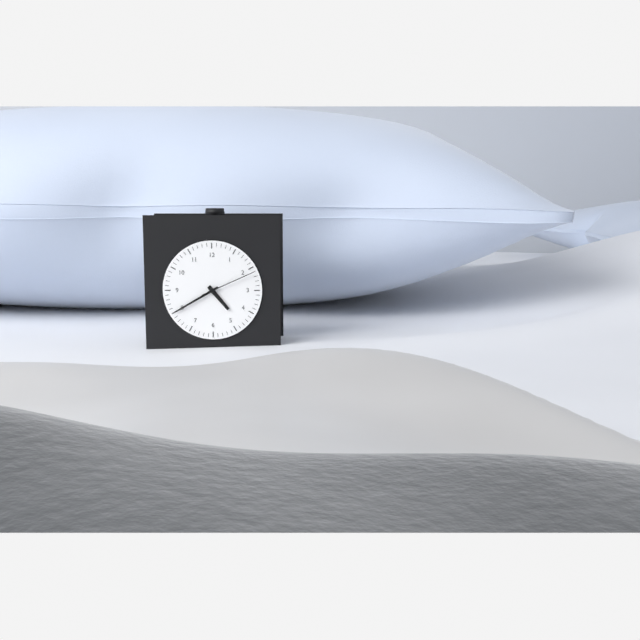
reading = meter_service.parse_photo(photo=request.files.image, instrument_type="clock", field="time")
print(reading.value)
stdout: 4:40:11
